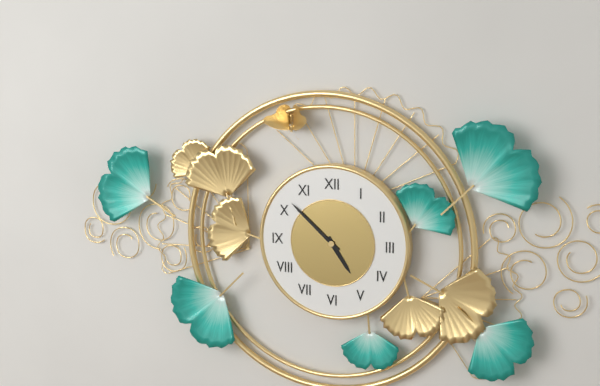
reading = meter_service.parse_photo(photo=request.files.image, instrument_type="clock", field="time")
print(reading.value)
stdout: 4:52
